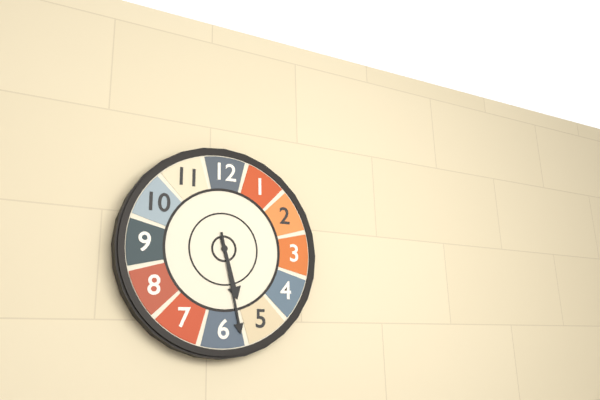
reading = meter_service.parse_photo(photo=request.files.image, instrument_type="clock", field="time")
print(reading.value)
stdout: 5:28
